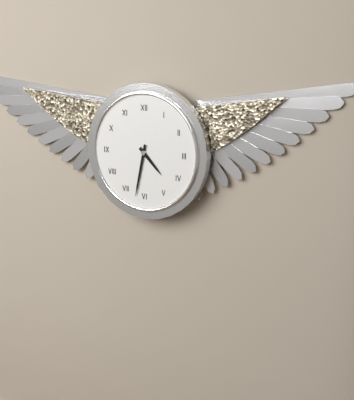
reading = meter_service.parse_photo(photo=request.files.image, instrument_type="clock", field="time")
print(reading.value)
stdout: 4:32
